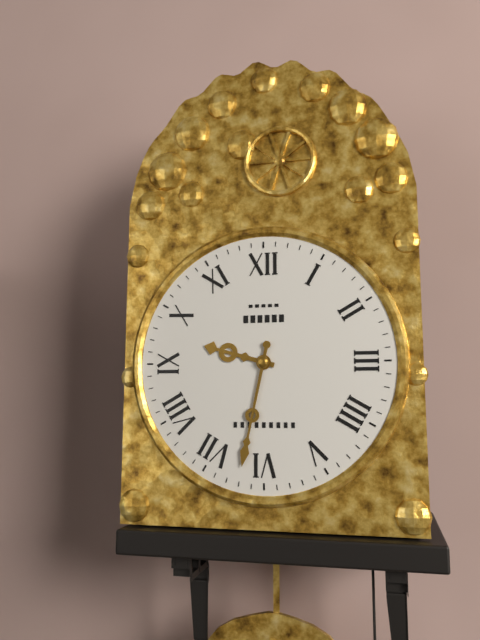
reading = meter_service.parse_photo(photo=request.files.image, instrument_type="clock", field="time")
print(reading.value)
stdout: 9:32
